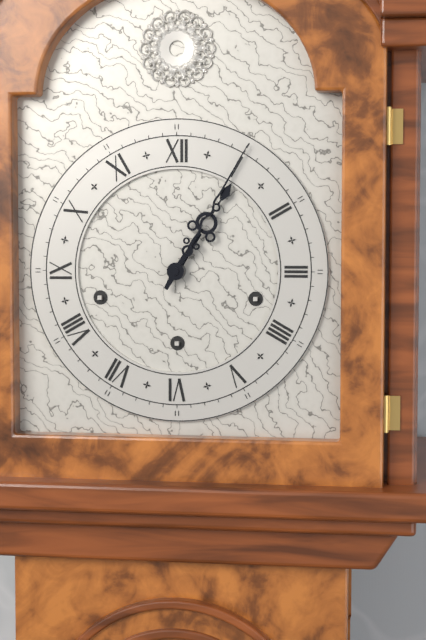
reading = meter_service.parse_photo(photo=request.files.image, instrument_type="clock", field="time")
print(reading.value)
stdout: 1:05
